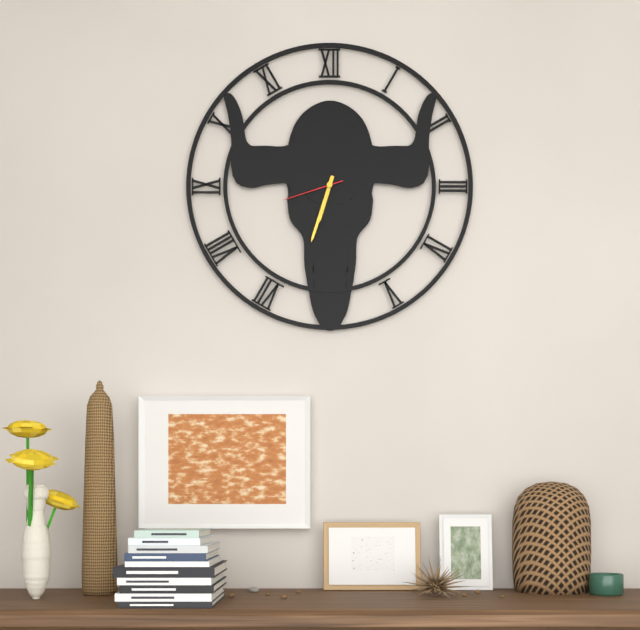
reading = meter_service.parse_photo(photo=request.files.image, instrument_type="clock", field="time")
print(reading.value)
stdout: 6:33:42
